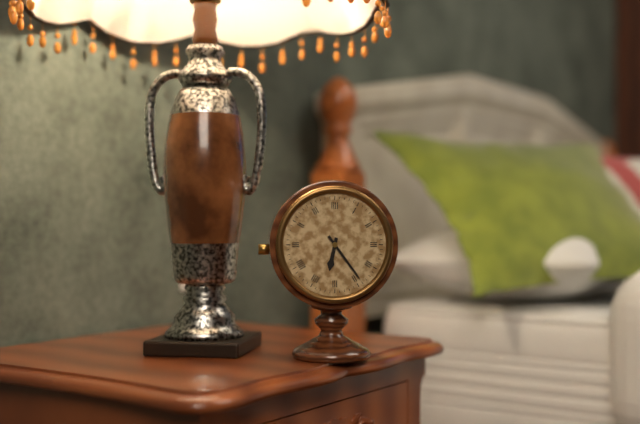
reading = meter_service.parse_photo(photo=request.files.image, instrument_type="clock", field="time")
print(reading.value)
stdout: 6:24
